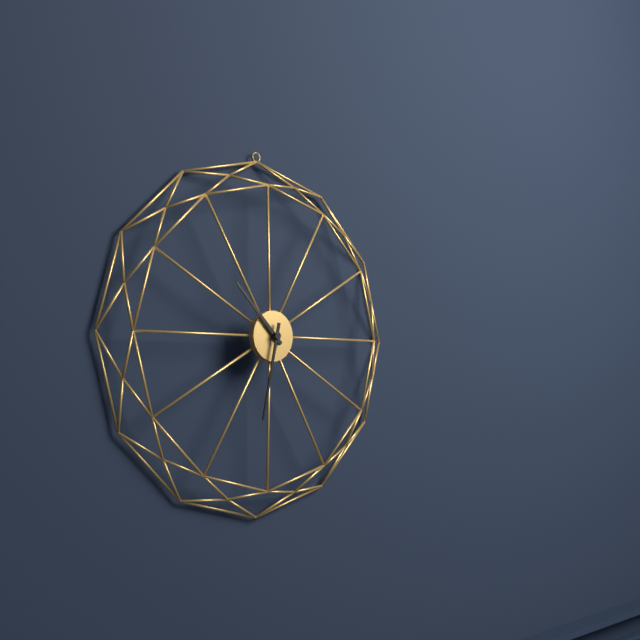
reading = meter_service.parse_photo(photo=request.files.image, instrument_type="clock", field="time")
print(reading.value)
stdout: 10:32
